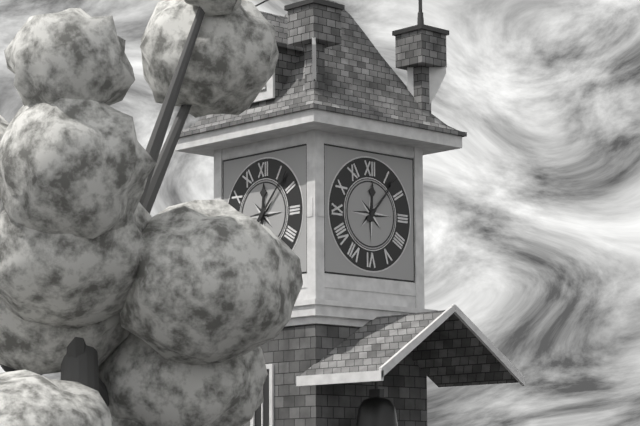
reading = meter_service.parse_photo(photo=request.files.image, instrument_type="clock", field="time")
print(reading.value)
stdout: 12:07
